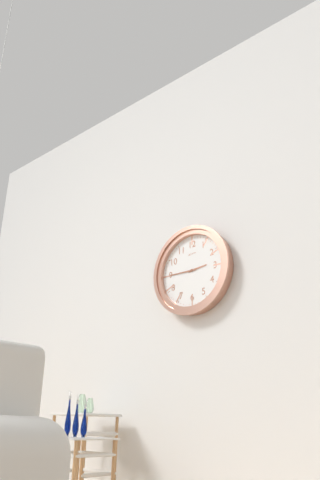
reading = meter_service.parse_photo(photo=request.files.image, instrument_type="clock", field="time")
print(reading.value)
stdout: 2:45
